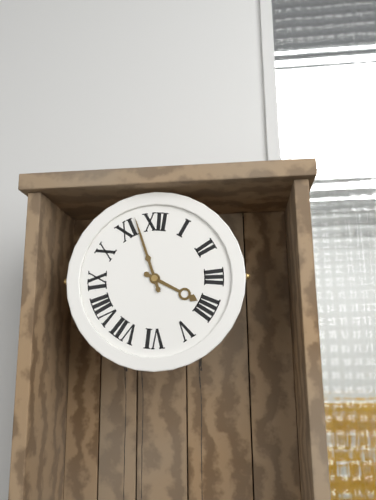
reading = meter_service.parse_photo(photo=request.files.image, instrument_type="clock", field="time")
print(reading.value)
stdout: 3:57
